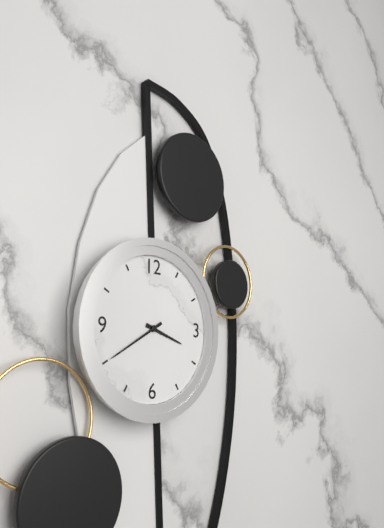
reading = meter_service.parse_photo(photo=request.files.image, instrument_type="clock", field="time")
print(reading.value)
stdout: 3:40
